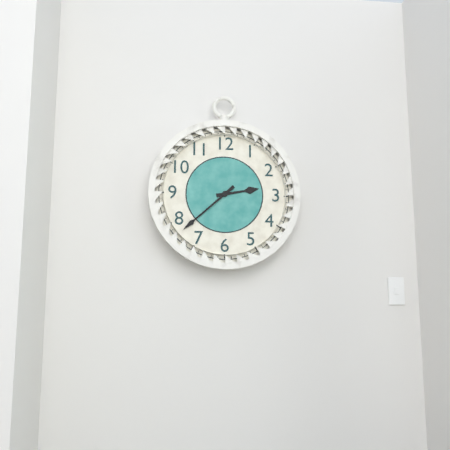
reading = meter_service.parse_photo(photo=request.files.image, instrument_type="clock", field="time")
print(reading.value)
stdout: 2:38
